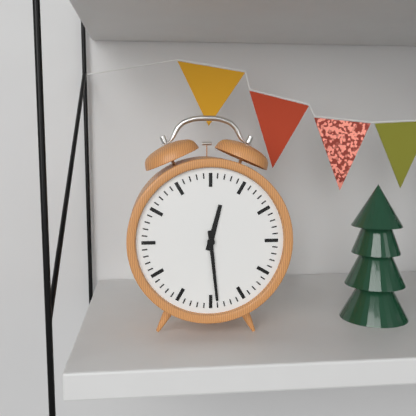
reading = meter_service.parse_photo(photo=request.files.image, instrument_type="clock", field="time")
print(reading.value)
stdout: 12:29
